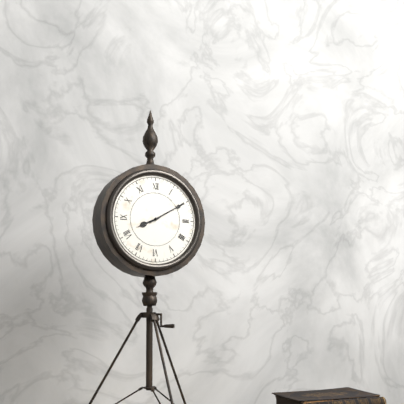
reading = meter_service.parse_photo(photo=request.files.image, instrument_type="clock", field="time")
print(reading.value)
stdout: 8:10
